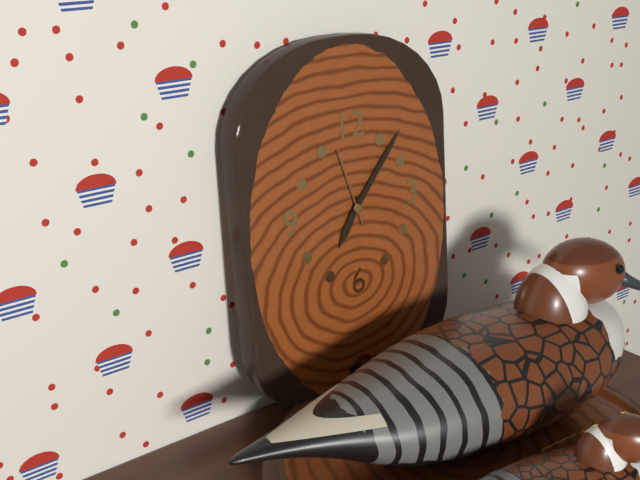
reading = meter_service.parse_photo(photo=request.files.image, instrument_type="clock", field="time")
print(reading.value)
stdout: 7:07:57
